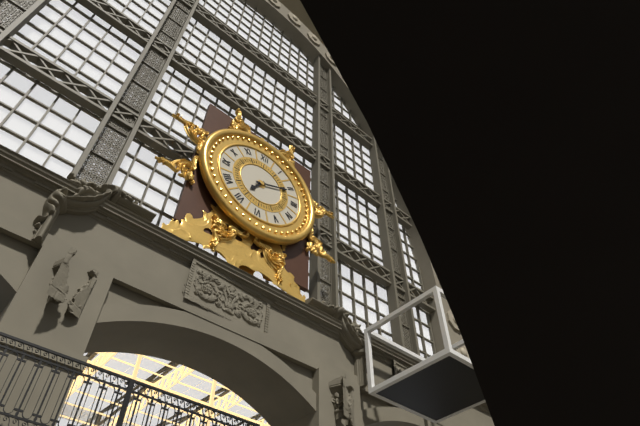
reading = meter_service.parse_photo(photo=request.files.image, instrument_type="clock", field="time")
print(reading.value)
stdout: 7:11
